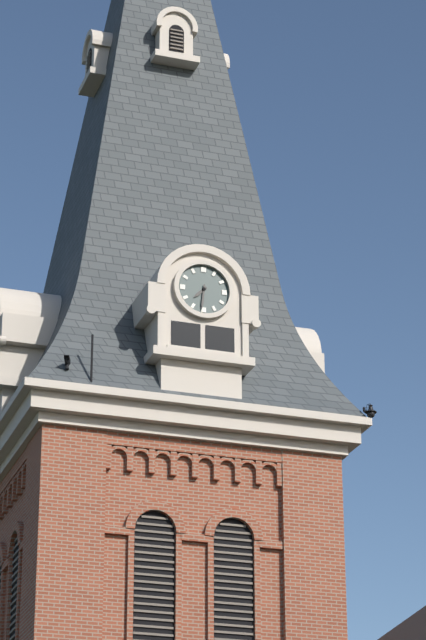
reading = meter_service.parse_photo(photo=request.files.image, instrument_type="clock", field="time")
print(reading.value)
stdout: 7:31
